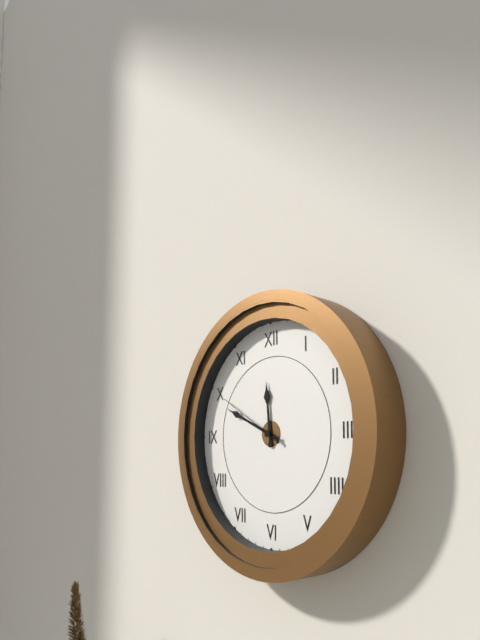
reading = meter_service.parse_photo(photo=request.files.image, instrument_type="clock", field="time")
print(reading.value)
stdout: 11:49:50
